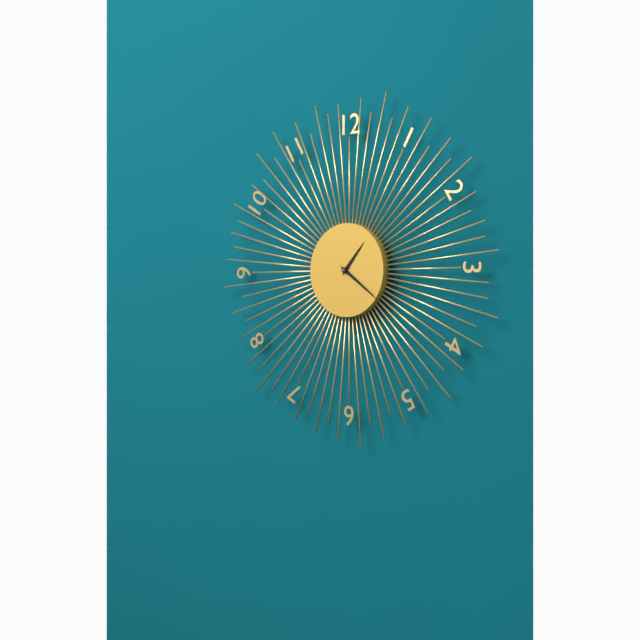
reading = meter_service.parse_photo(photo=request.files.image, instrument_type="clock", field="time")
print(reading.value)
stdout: 1:21
